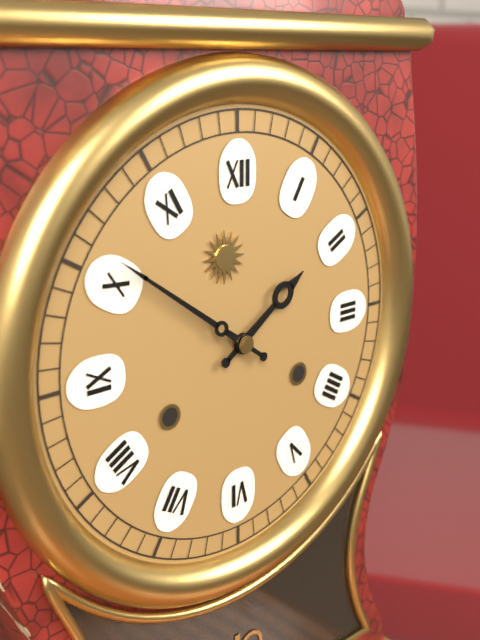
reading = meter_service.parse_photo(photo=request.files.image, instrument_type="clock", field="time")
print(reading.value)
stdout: 1:51
